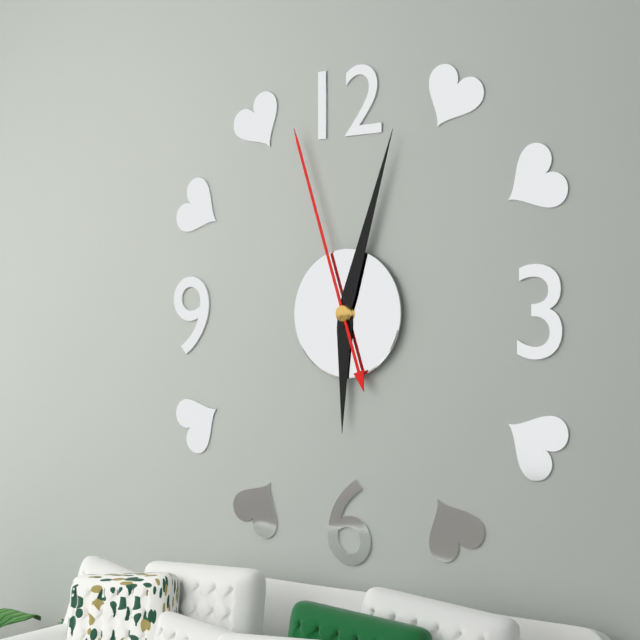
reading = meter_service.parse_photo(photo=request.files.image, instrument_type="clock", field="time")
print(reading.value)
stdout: 6:03:57
